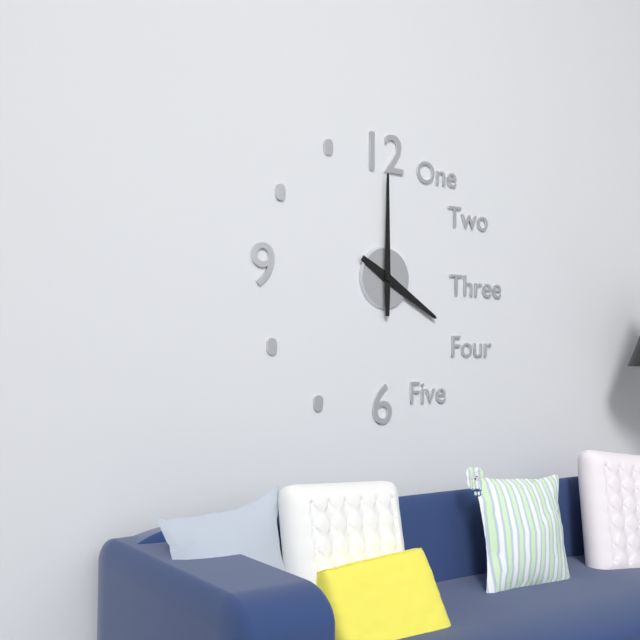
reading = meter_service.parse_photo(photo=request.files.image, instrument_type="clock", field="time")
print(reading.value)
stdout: 4:00
